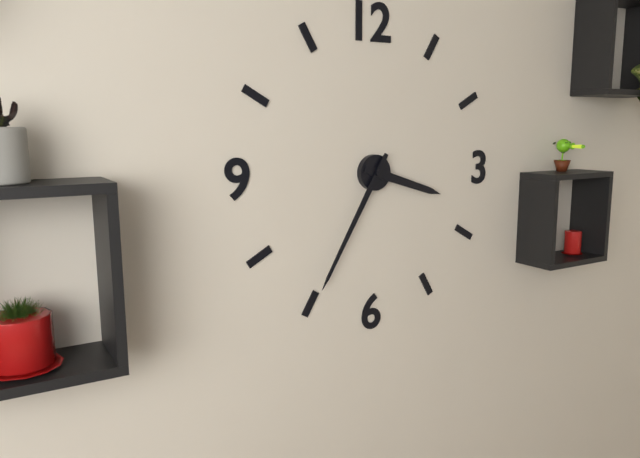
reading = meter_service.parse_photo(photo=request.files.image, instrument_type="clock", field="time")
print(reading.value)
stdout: 3:35
